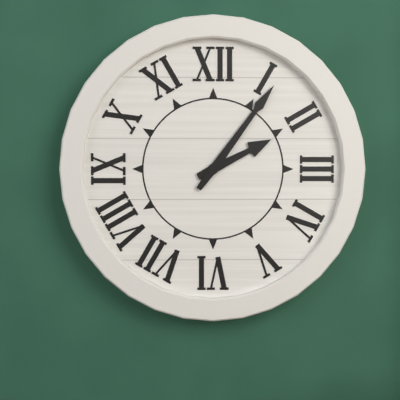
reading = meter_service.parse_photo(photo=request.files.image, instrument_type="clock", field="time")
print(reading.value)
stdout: 2:06
